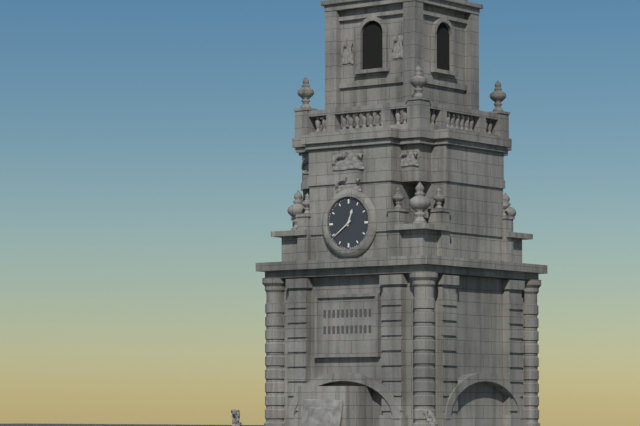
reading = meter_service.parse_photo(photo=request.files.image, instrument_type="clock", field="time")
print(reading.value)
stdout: 12:39
